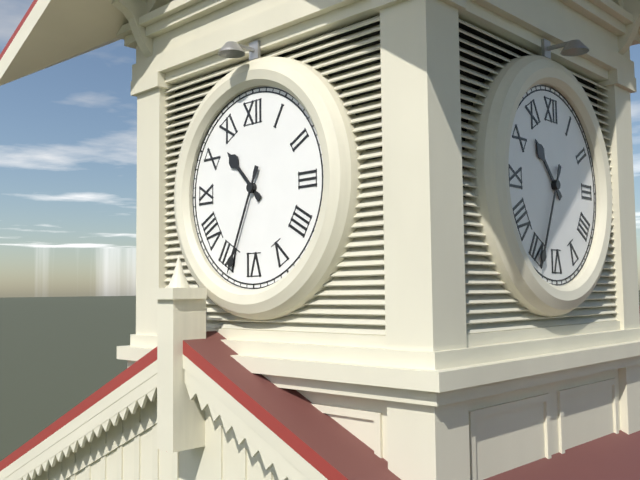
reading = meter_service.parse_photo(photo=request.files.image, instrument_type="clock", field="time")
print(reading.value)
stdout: 10:34
